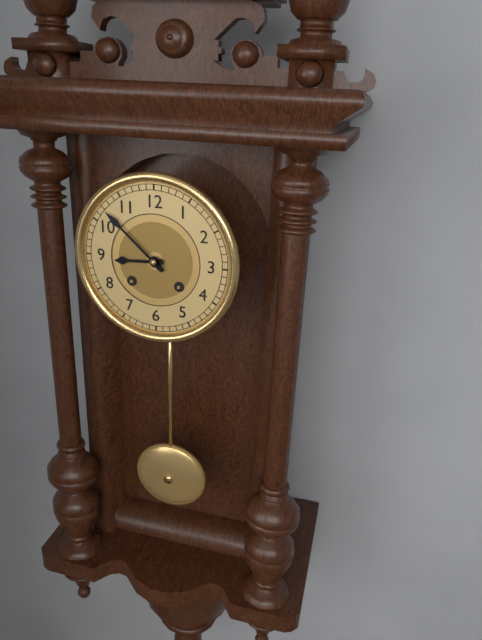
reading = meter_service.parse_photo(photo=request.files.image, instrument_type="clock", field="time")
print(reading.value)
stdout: 8:52
